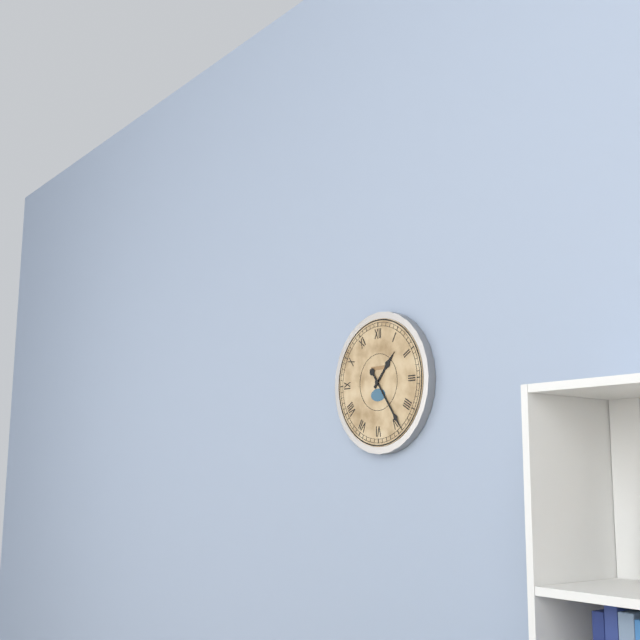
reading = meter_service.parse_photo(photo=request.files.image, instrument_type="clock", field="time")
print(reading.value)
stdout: 1:24
